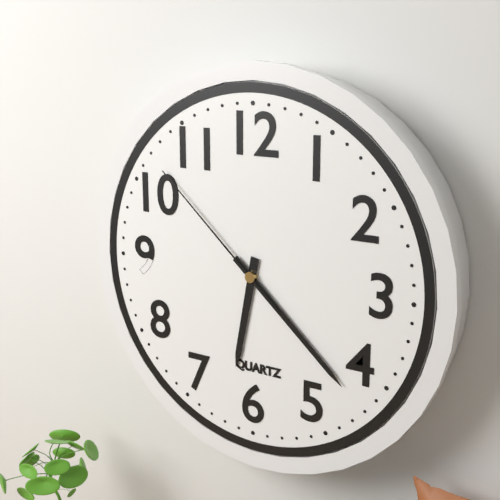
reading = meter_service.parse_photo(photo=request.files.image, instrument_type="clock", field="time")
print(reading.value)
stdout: 6:22:52
